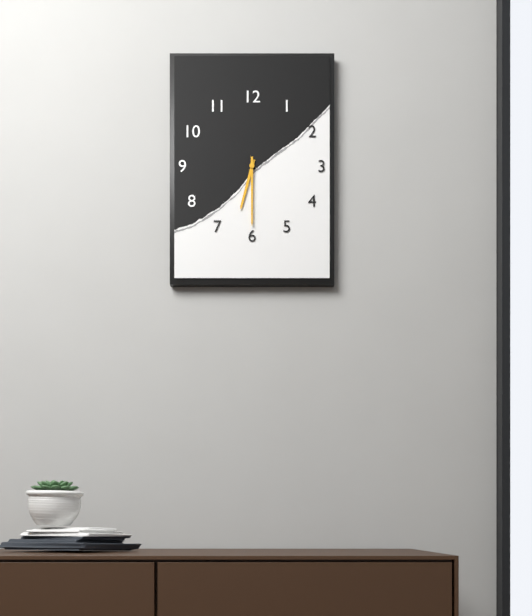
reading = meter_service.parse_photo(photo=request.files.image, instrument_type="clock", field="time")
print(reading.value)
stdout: 6:30
